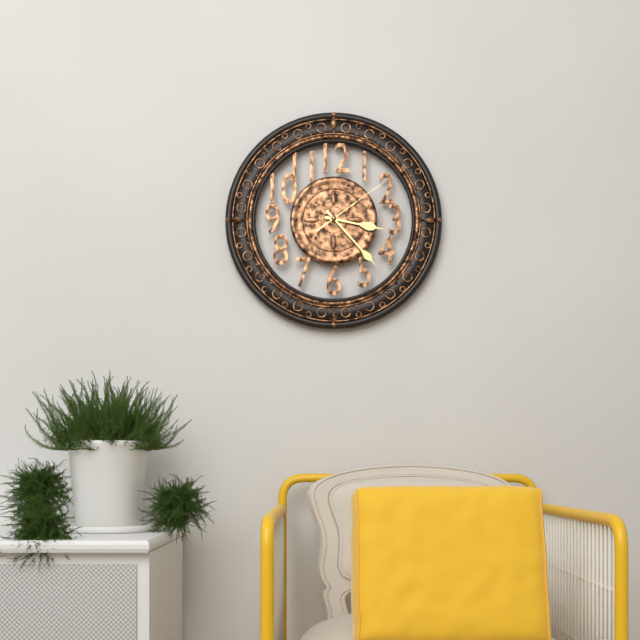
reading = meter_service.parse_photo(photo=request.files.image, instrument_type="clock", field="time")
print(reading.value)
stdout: 3:23:09
